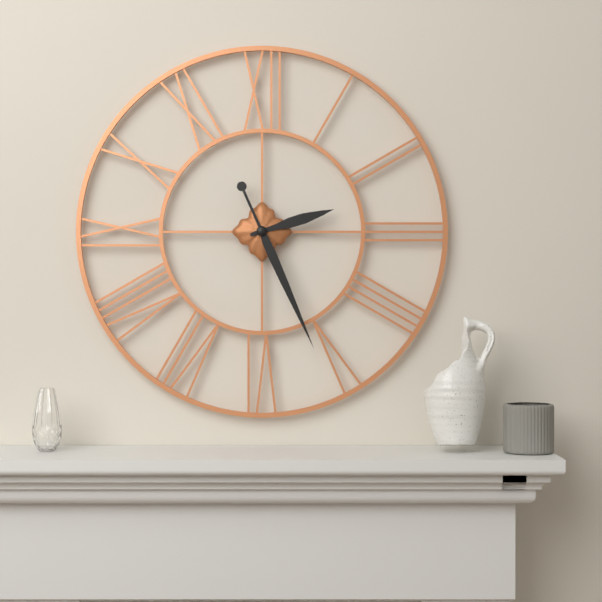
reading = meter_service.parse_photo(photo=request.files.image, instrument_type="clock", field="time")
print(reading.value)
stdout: 2:26
